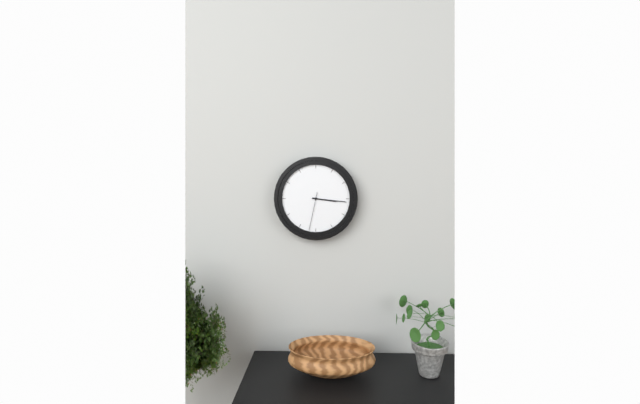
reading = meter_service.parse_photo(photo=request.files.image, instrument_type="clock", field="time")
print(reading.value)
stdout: 3:16
